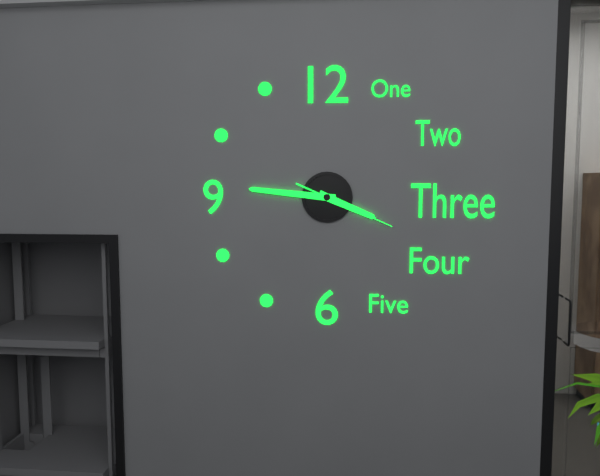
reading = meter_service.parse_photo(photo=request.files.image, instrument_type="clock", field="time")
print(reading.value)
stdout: 3:46:19
